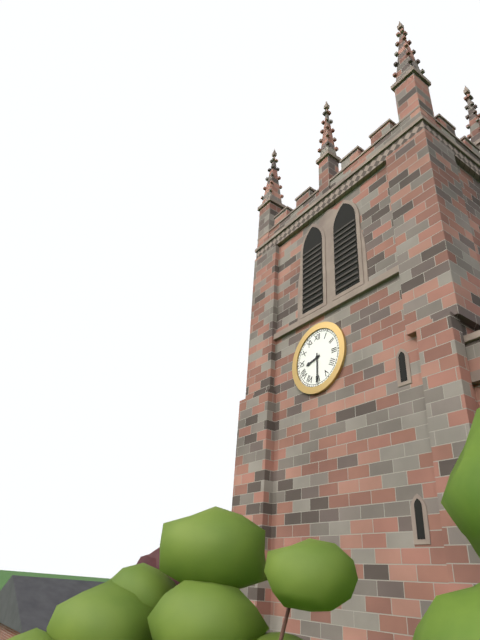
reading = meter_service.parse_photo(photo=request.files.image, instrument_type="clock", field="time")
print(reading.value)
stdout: 8:30
